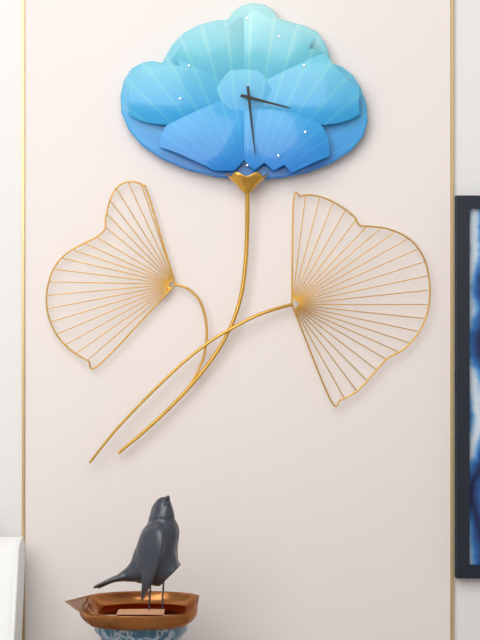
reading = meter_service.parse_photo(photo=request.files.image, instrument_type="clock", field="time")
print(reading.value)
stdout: 3:29
